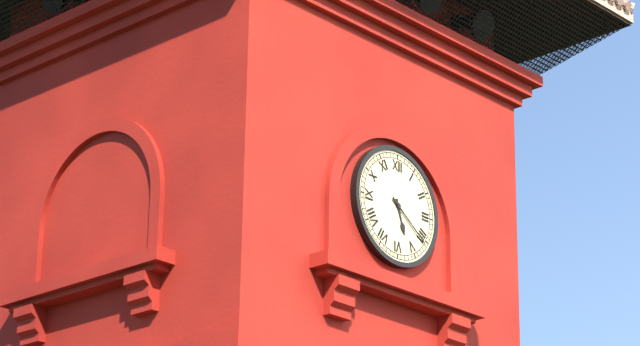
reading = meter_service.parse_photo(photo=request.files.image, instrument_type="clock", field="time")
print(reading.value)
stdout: 5:21
